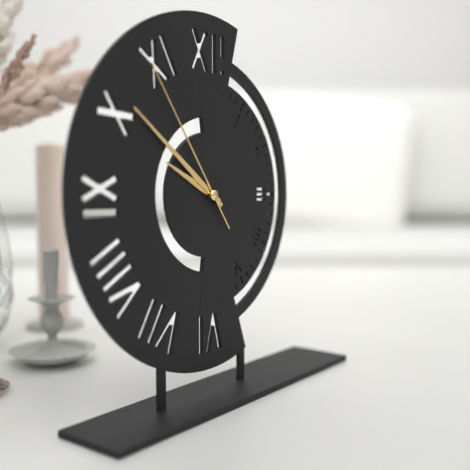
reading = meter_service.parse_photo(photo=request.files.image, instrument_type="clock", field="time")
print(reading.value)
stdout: 9:51:54
